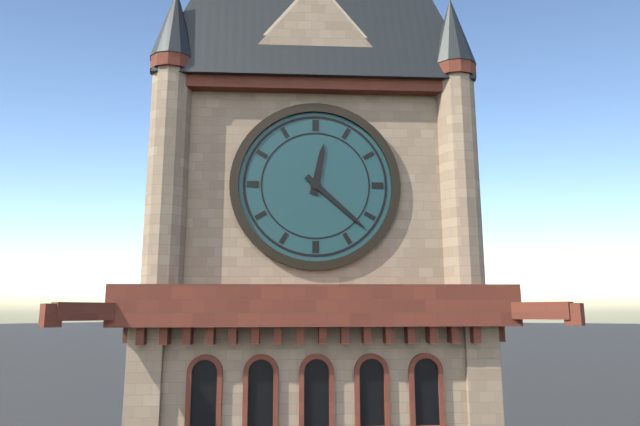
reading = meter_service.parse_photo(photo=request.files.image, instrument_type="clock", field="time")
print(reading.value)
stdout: 12:22
